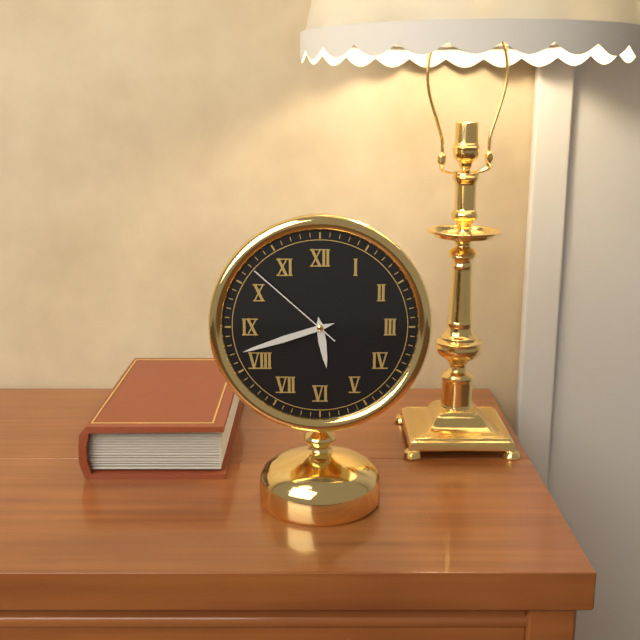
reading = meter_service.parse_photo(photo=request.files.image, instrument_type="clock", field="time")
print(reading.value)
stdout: 5:42:52
